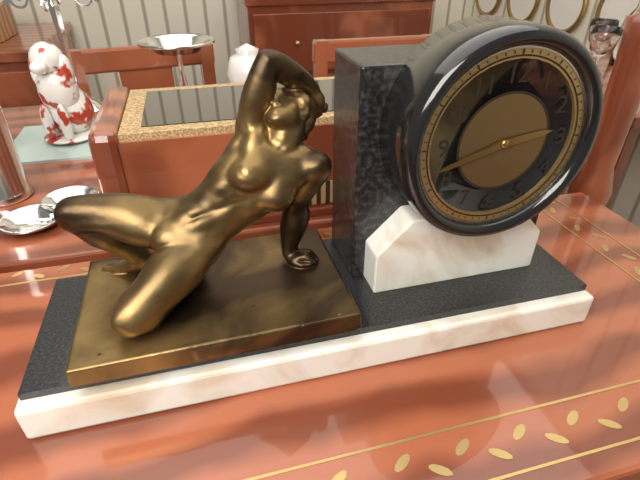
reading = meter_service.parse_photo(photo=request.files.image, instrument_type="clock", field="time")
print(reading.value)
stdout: 2:42
